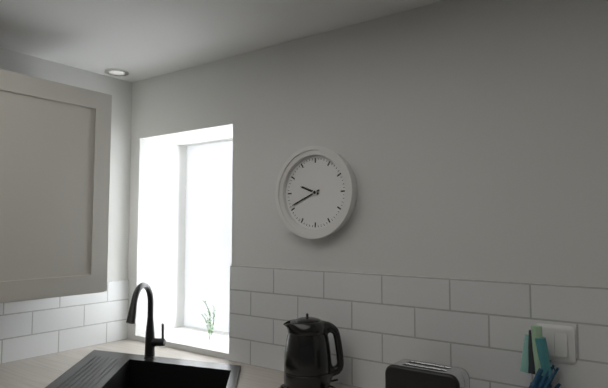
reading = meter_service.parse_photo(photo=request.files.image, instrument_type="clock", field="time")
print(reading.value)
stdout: 9:41
